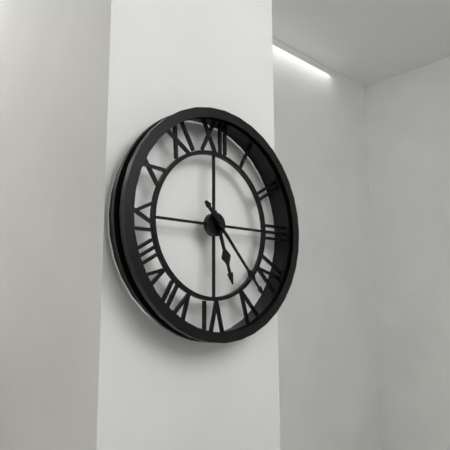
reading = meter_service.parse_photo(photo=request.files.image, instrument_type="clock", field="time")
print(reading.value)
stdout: 5:23
